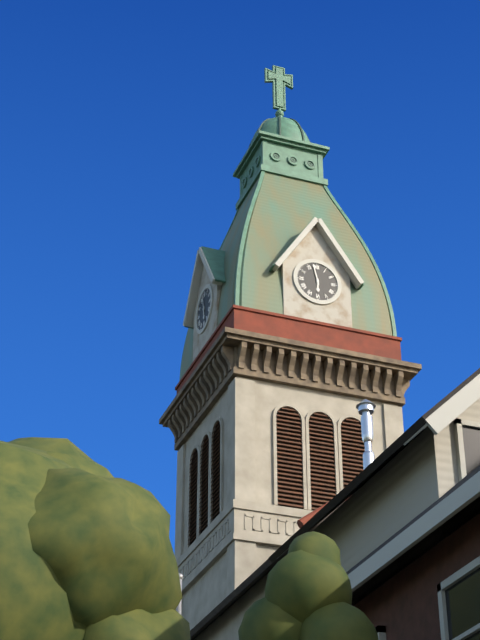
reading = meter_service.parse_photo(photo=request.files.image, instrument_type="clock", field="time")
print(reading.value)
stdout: 5:58
